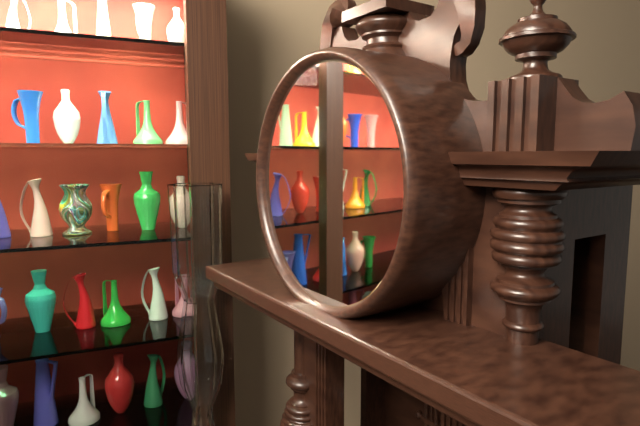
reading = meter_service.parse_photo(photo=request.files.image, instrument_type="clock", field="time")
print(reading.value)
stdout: 12:48
